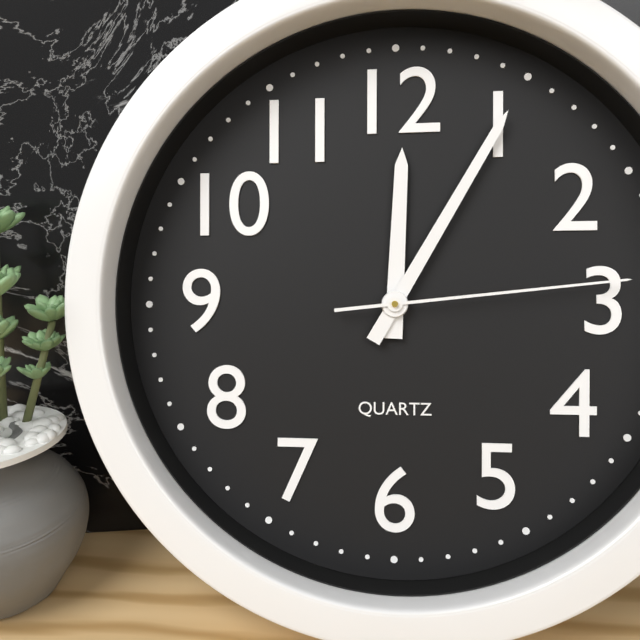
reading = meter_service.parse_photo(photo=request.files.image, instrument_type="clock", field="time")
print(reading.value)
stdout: 12:05:14
